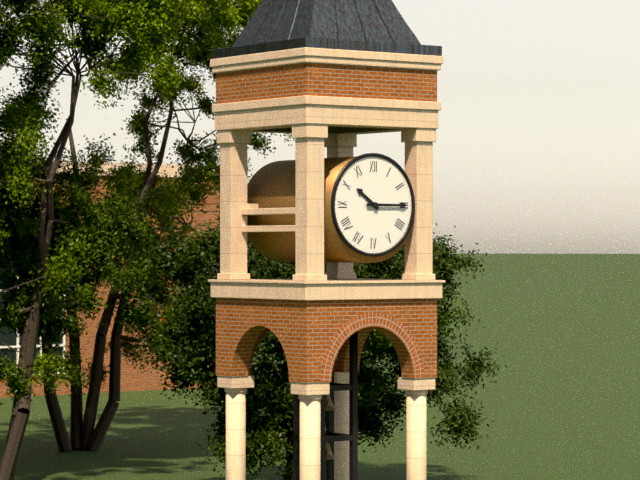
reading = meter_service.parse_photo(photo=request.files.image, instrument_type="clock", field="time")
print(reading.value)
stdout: 10:15
